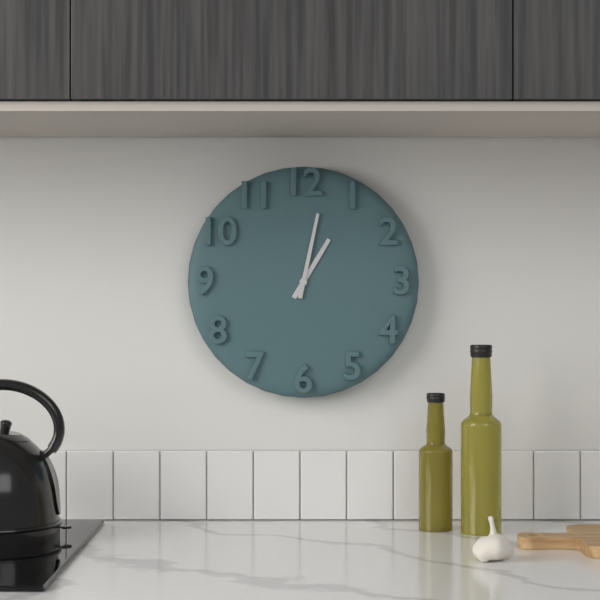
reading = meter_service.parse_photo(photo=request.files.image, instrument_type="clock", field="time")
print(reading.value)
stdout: 1:02
